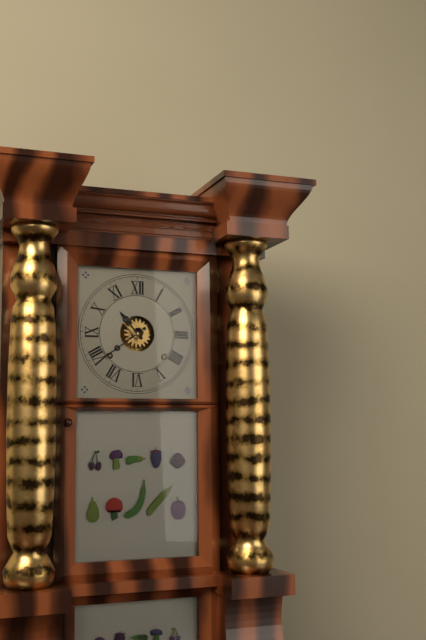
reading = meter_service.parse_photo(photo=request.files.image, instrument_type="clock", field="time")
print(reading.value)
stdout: 10:39
